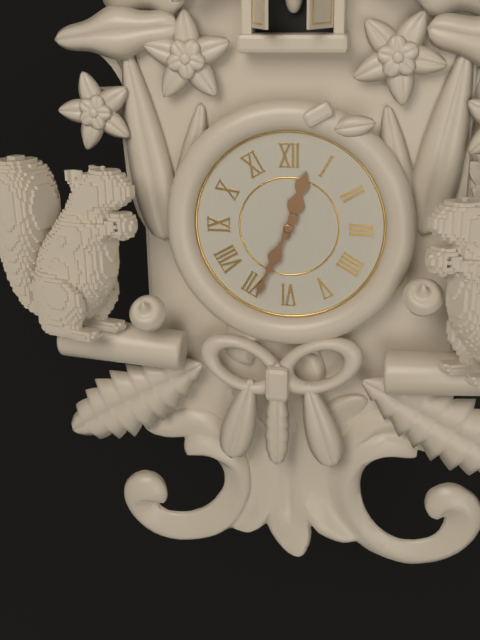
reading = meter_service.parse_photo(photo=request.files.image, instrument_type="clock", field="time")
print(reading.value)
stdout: 12:34
